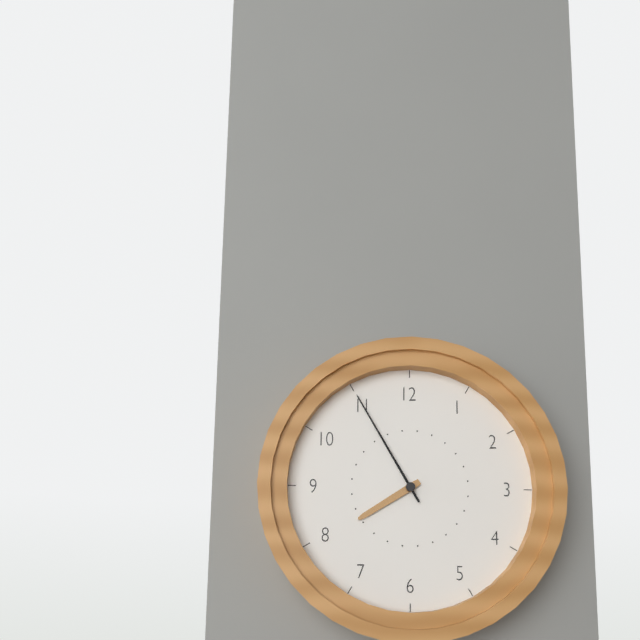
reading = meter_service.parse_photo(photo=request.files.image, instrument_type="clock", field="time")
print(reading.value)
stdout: 7:55
